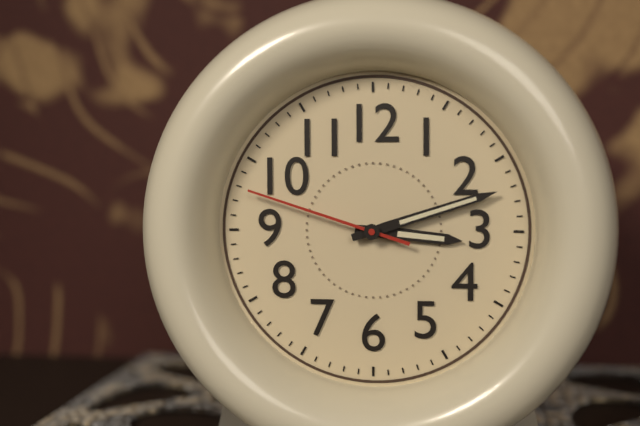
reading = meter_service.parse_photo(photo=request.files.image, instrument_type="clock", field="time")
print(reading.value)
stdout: 3:12:48
